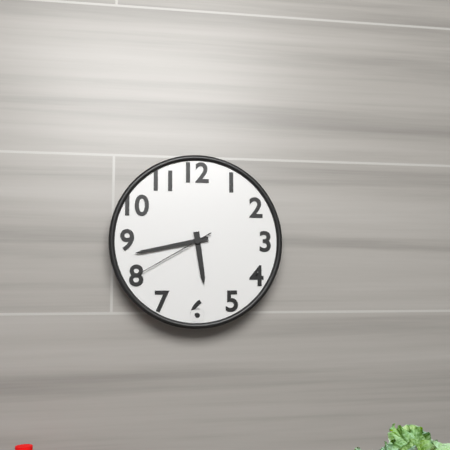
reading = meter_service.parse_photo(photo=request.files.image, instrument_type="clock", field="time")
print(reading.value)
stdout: 5:43:40
